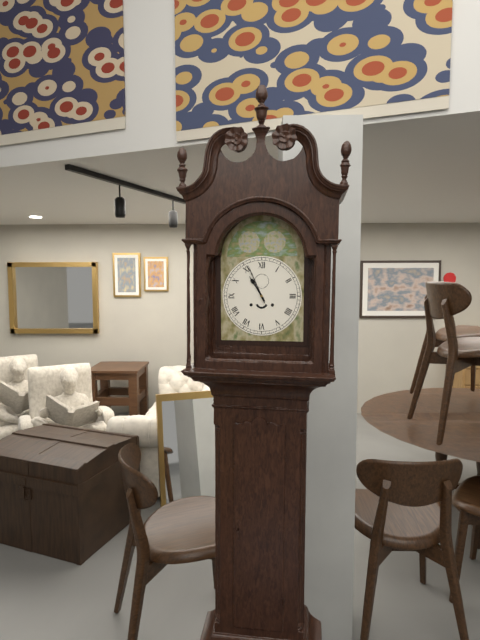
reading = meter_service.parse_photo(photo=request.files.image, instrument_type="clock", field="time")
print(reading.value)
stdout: 10:56
